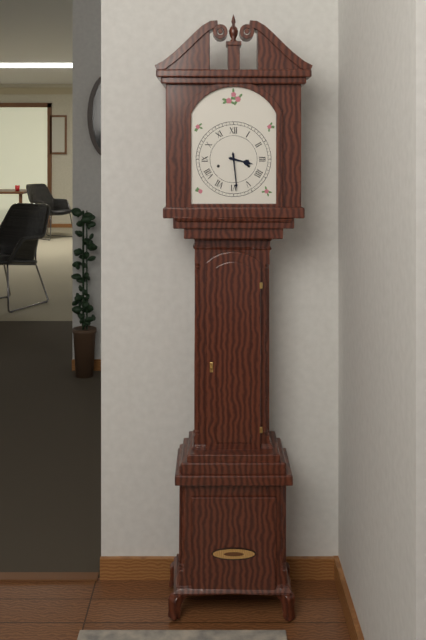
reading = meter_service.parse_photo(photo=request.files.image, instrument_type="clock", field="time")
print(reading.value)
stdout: 3:29
